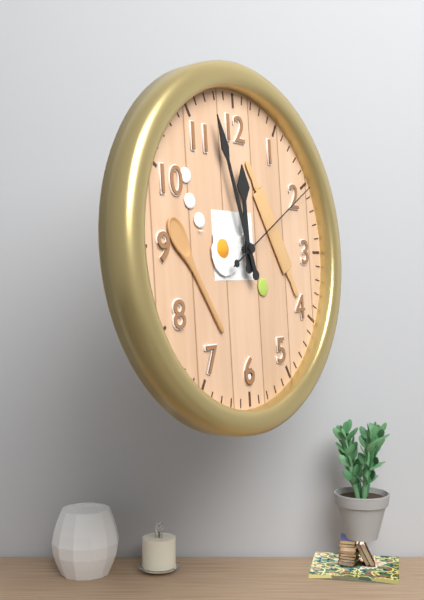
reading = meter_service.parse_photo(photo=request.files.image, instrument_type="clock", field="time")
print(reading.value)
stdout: 11:57:10
